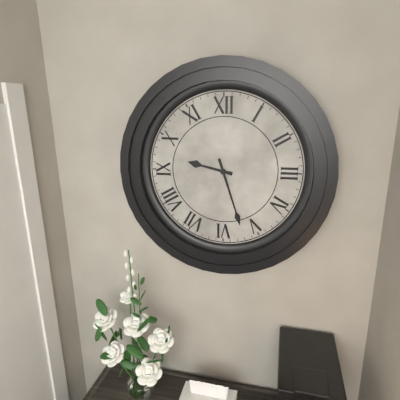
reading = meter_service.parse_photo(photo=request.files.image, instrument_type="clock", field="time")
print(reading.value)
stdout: 9:27
